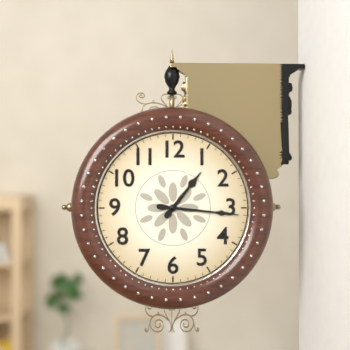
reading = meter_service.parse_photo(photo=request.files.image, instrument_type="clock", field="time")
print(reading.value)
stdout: 1:16
